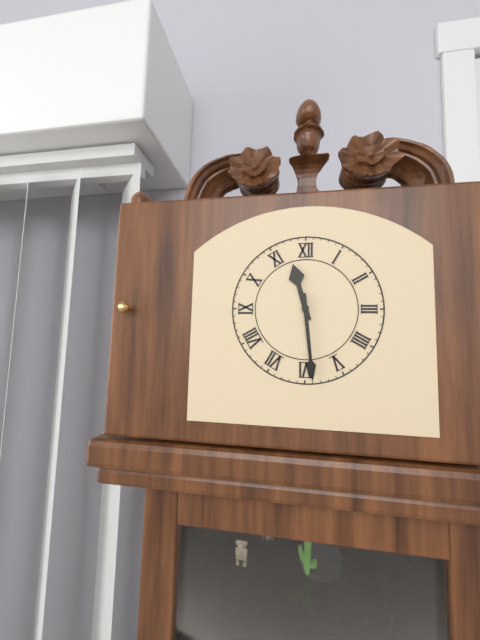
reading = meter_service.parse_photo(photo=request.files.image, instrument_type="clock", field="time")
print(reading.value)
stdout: 11:29
